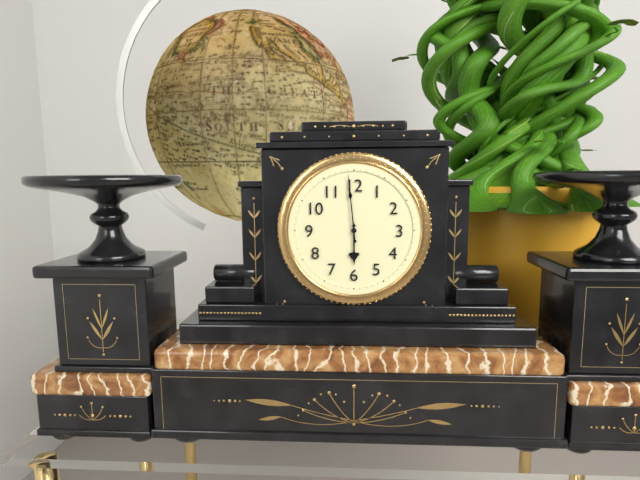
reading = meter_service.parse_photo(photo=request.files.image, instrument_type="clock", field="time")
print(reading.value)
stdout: 5:59
